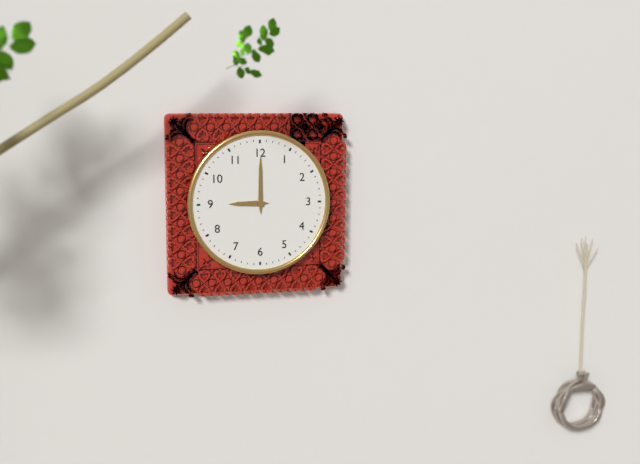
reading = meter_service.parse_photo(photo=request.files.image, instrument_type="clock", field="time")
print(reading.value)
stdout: 9:00
